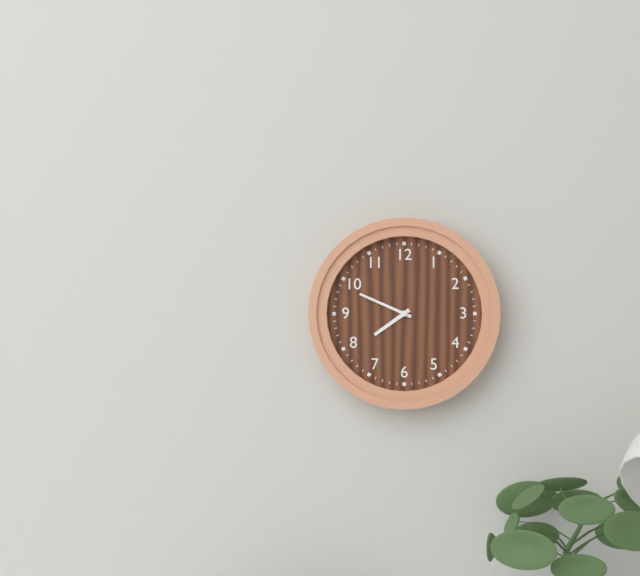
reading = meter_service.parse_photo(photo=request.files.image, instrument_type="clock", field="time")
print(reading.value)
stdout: 7:49
